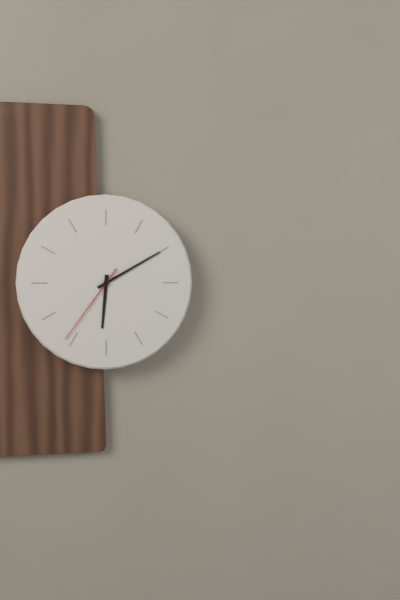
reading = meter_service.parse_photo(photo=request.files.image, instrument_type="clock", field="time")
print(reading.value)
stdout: 6:10:36
